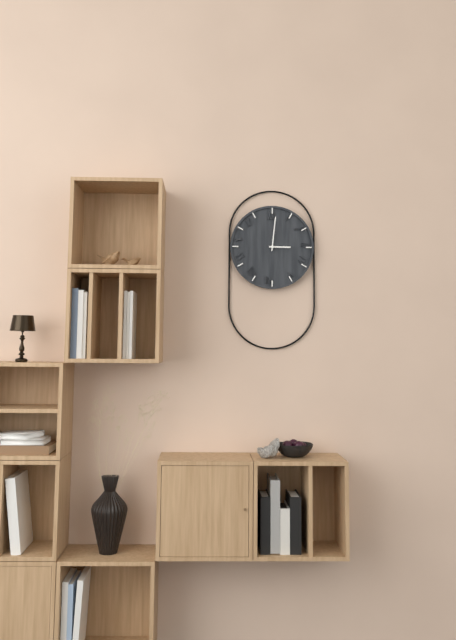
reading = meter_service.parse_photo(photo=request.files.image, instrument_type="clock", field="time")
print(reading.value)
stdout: 3:01
